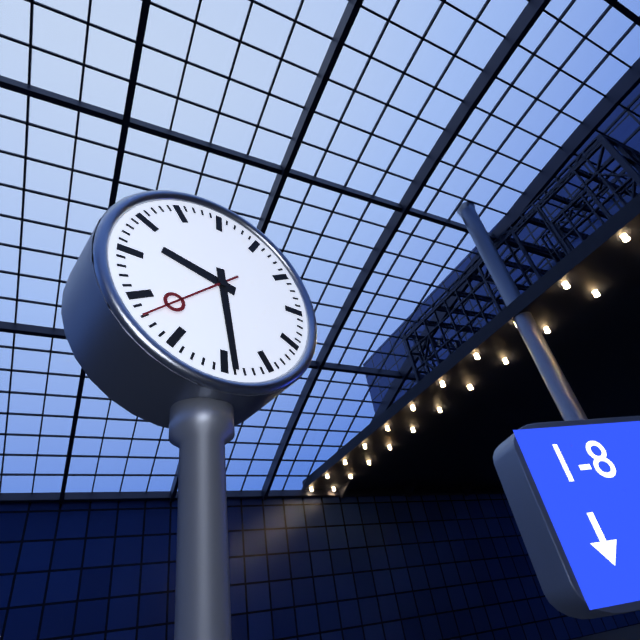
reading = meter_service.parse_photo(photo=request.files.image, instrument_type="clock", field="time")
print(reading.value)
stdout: 9:29:38
